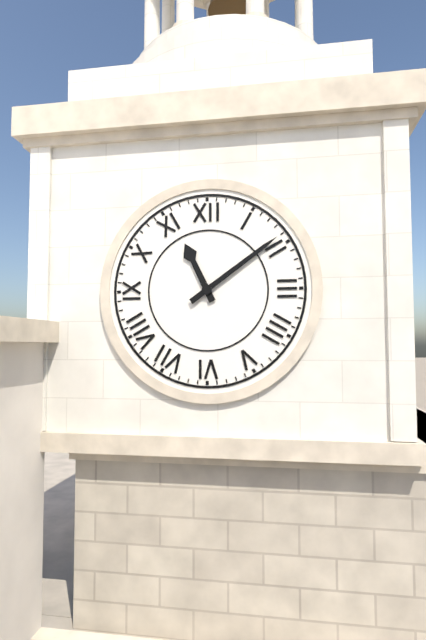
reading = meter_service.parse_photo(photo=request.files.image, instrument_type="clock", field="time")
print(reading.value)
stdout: 11:09
